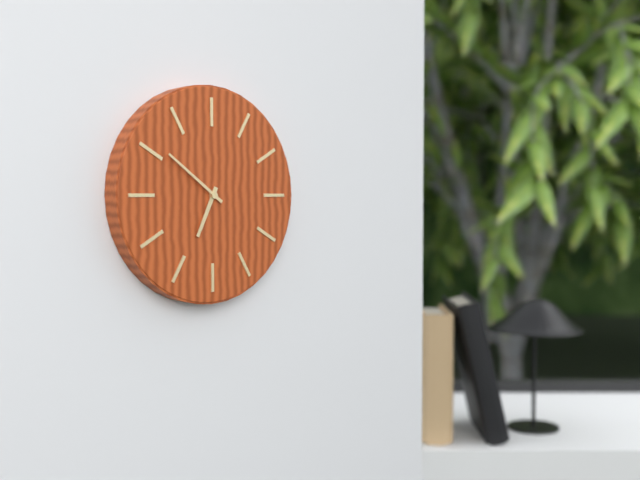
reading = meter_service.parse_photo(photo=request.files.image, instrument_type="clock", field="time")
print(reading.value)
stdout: 6:51
